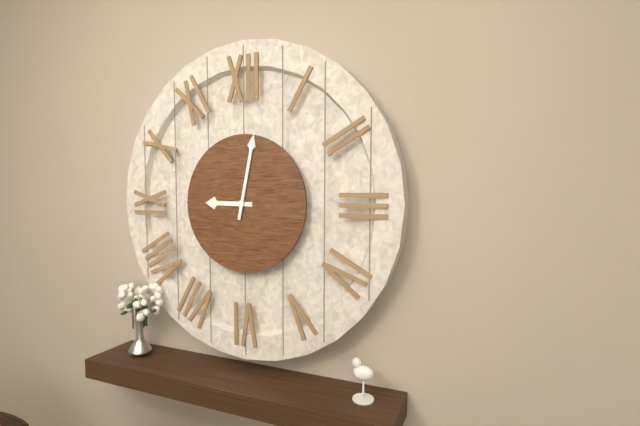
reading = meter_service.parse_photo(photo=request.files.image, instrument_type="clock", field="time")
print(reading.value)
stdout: 9:02
